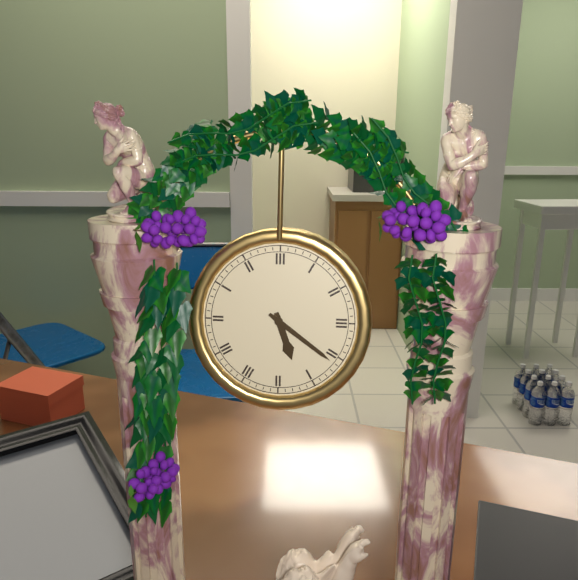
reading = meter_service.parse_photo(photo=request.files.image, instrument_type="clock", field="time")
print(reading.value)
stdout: 5:21
